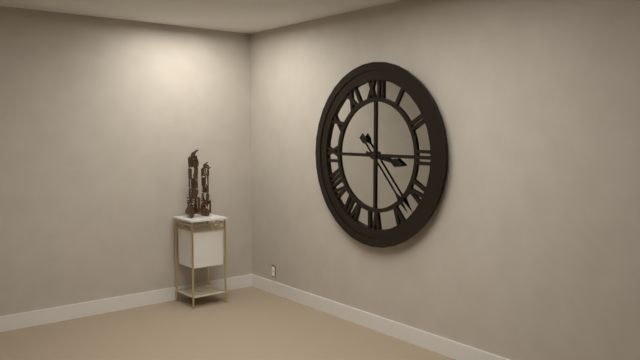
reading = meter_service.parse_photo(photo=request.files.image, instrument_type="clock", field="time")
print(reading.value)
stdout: 3:23
